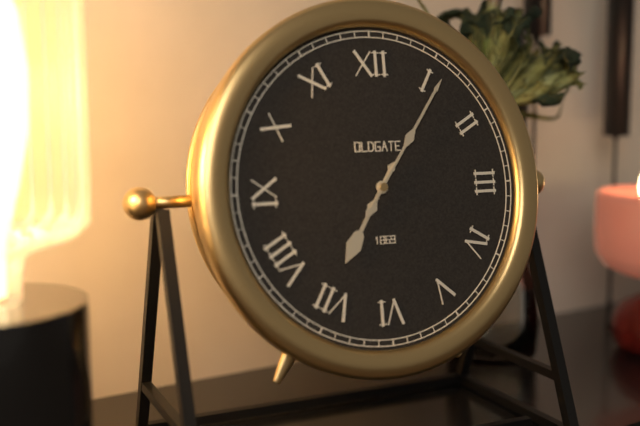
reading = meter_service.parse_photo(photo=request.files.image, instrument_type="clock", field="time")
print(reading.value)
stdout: 7:06
